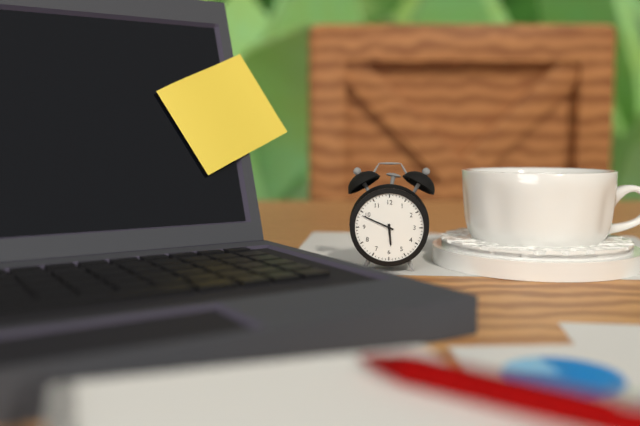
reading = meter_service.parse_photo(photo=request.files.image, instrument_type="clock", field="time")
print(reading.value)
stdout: 5:49
